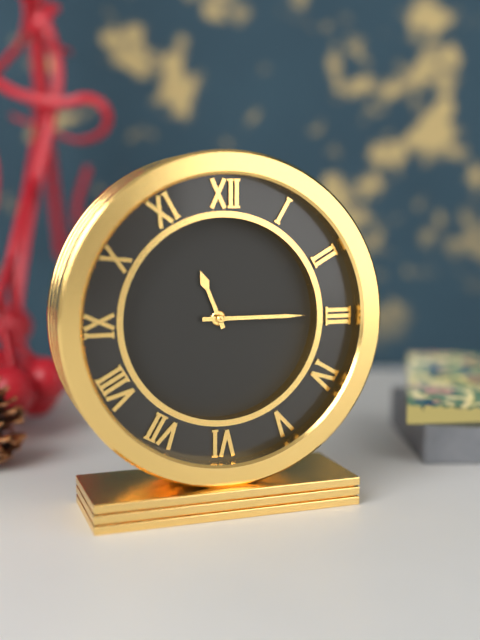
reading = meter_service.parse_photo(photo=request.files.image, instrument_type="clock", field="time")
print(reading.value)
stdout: 11:15
